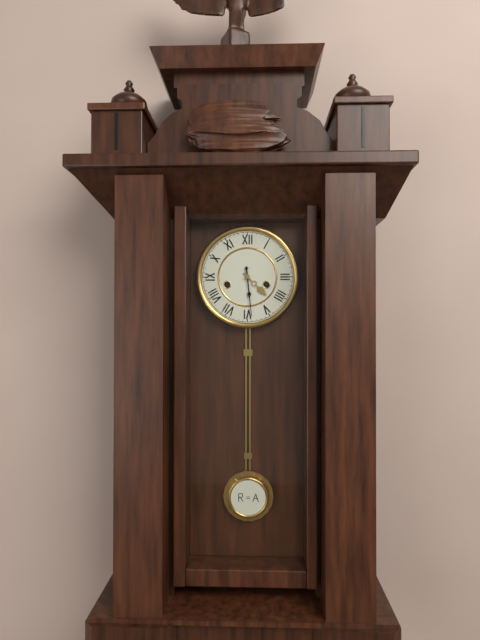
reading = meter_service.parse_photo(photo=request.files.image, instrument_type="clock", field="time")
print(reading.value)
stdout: 4:29
